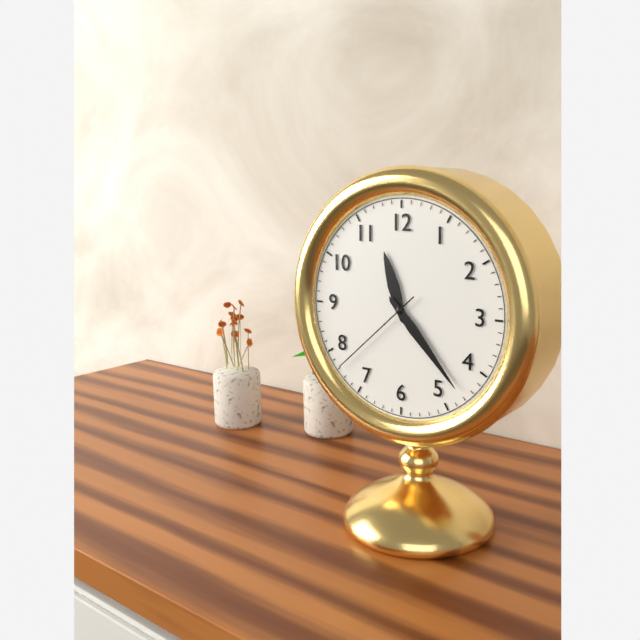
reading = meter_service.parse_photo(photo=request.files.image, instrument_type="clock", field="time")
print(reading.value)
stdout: 11:23:38
